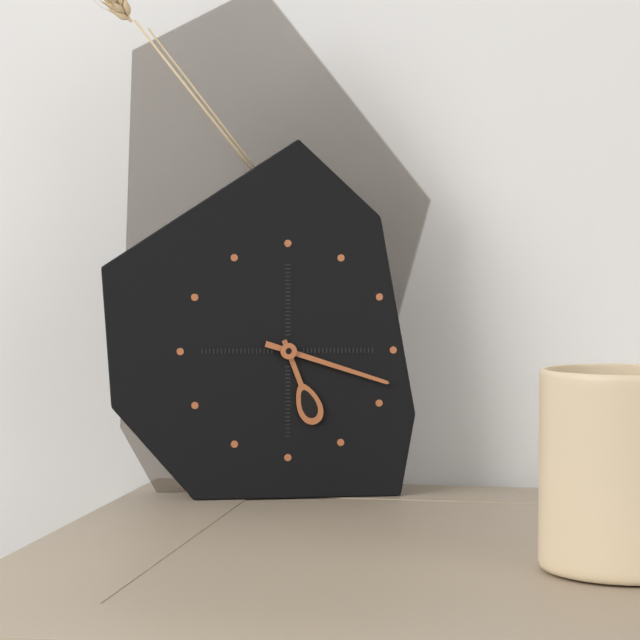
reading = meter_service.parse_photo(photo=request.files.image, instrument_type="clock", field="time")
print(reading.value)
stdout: 5:18
